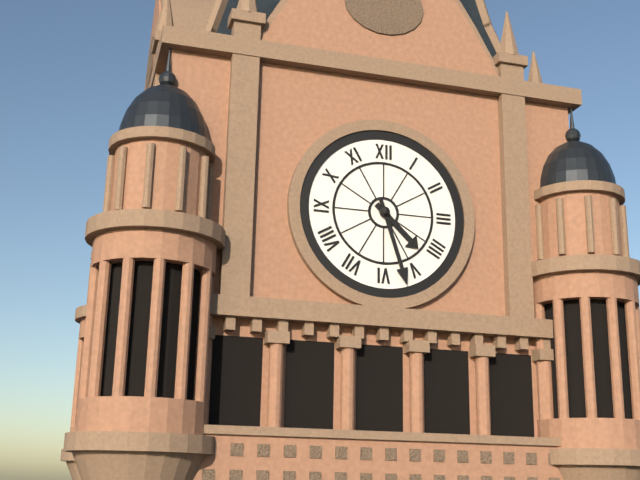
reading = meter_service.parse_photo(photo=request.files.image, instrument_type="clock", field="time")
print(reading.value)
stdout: 4:27
